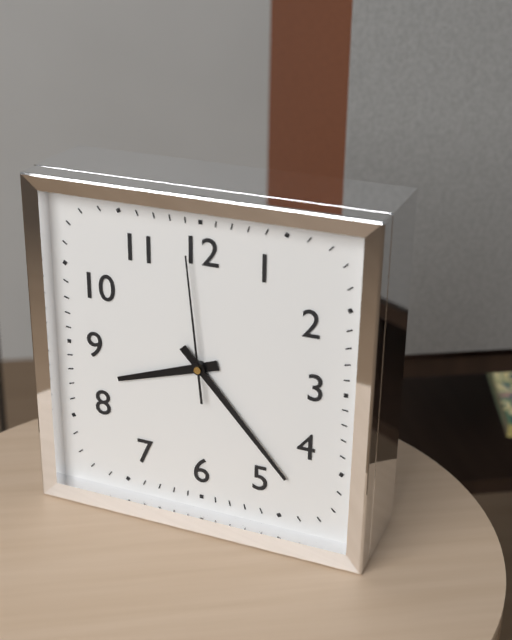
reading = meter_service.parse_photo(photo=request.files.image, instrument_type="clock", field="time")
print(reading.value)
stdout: 8:23:59
